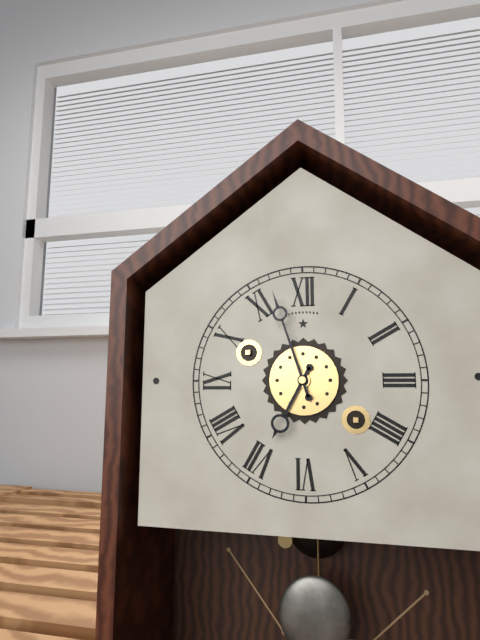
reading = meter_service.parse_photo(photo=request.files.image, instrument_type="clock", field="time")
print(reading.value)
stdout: 6:57
